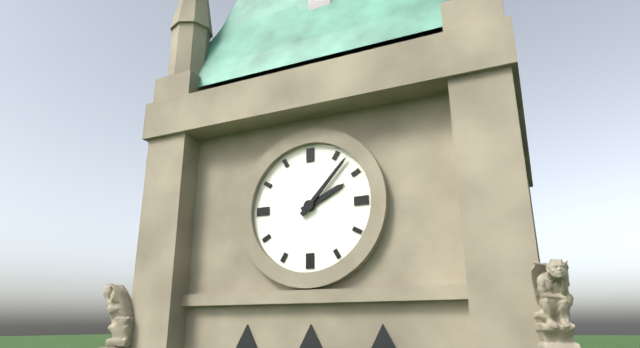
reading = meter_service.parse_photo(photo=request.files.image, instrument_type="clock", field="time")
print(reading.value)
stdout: 2:07
